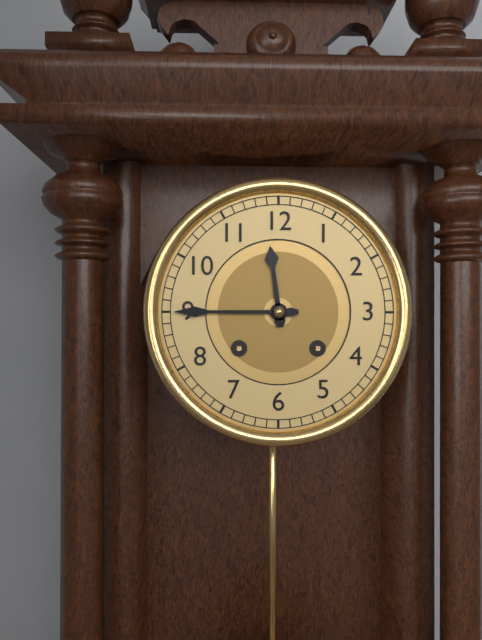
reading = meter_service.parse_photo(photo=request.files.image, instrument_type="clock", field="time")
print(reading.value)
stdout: 11:45
